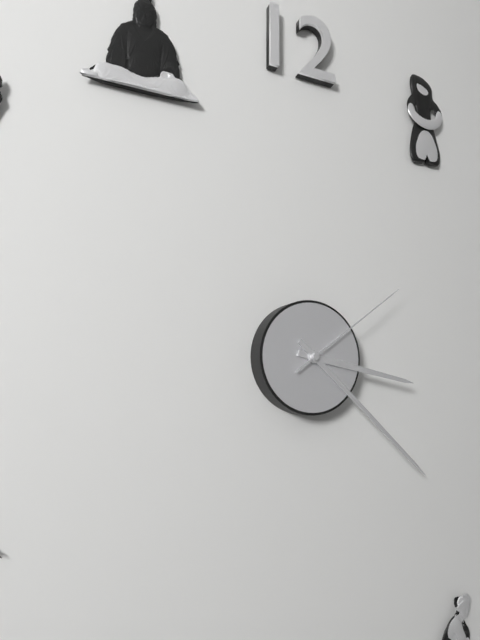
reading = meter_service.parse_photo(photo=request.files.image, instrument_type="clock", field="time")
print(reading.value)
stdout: 3:22:09
